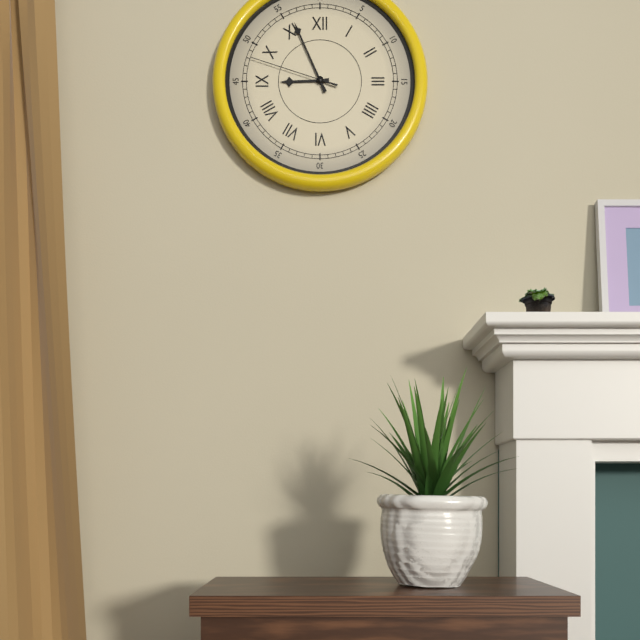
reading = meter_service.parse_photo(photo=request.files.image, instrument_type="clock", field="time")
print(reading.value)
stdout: 8:56:48
